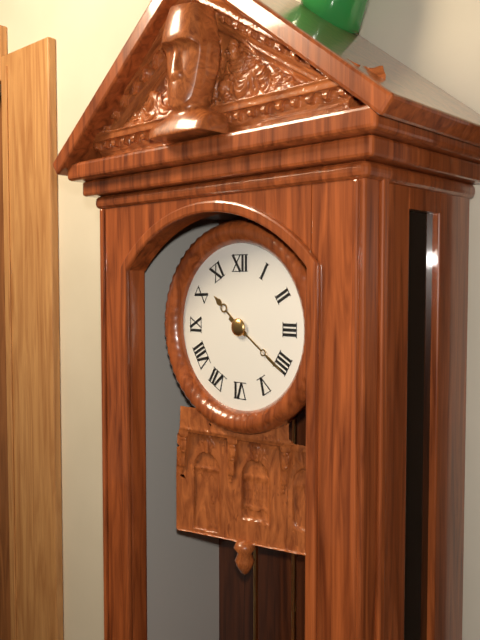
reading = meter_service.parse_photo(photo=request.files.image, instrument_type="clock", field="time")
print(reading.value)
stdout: 10:21
